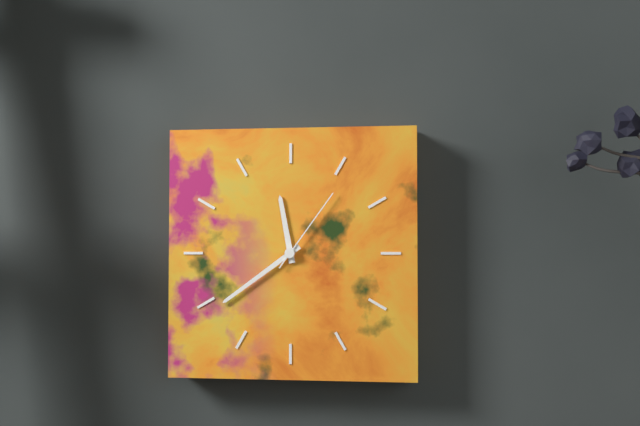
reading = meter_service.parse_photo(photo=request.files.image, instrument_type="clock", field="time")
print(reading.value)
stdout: 11:39:06
